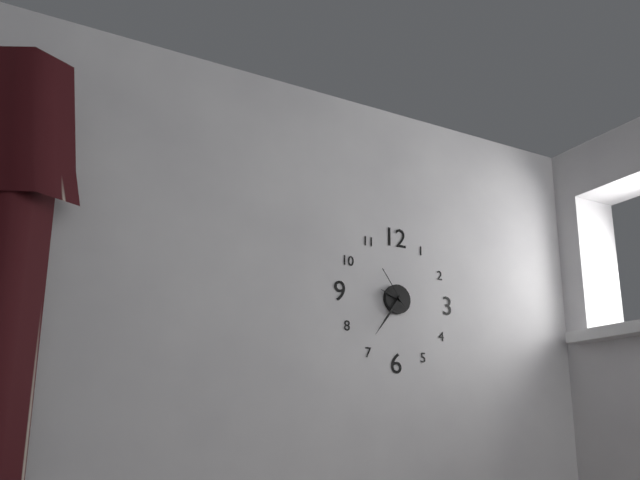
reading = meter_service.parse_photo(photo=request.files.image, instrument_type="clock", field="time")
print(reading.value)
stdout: 9:36
